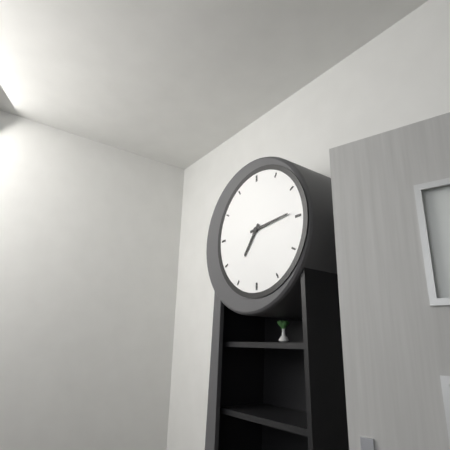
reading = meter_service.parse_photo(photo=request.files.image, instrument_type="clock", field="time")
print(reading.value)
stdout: 7:14
